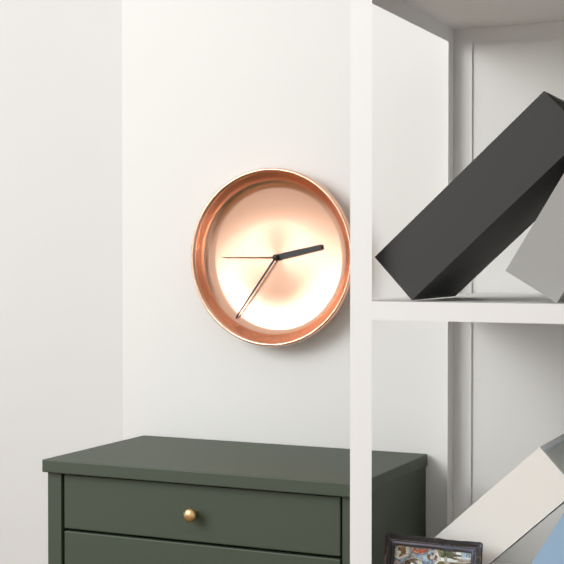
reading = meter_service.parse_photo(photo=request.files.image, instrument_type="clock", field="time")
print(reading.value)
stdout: 2:36:45
